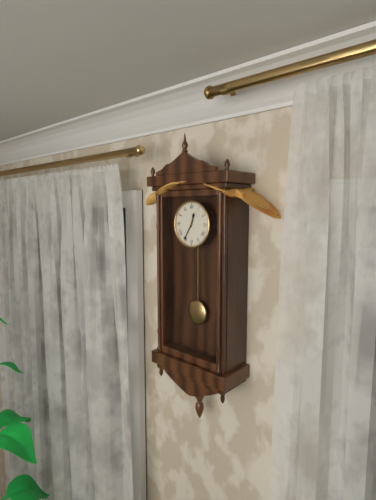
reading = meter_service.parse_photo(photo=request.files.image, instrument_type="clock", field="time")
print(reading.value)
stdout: 12:35
